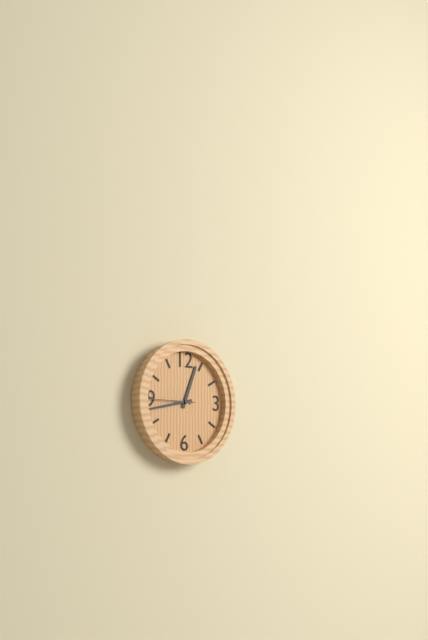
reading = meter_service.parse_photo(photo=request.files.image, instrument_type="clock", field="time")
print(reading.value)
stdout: 12:43
